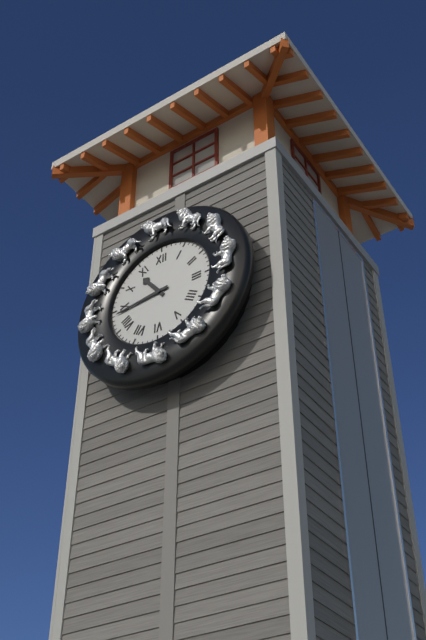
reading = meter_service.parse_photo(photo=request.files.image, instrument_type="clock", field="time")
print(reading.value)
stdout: 10:44
